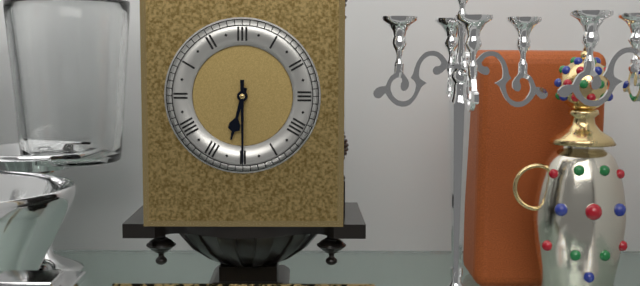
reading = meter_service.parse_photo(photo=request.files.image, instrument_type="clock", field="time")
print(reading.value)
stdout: 6:30
